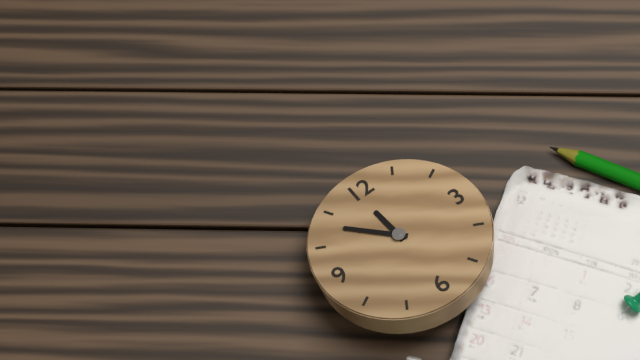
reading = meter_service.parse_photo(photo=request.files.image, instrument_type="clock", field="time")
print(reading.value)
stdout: 11:53
